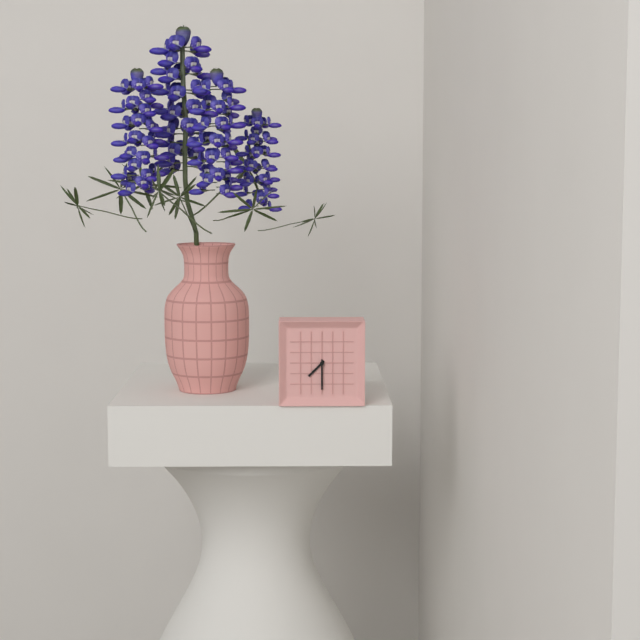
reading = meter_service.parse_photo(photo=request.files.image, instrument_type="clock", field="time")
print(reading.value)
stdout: 7:30
